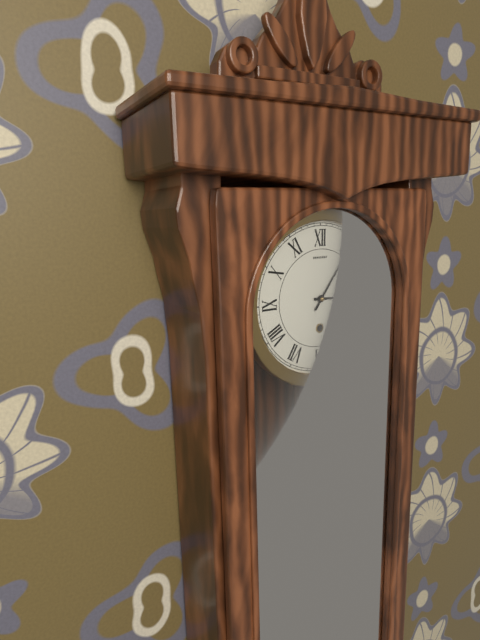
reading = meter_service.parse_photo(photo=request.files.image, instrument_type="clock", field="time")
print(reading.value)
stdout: 3:06
